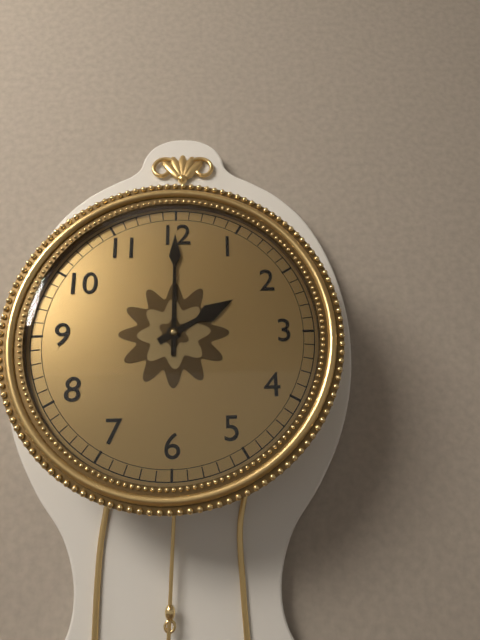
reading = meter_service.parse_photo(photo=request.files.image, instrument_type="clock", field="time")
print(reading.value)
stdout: 2:00
